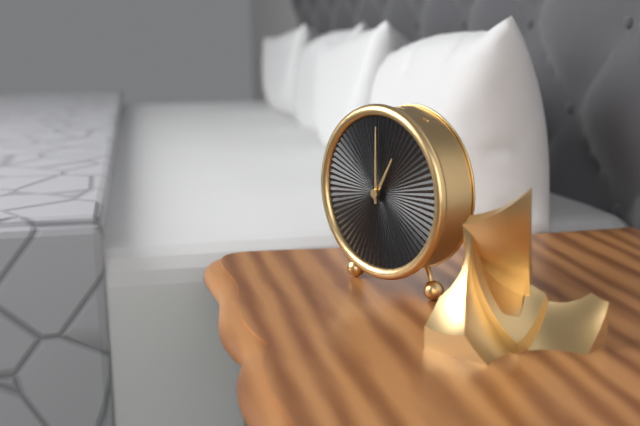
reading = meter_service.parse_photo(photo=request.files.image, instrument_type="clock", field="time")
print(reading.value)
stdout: 1:00
